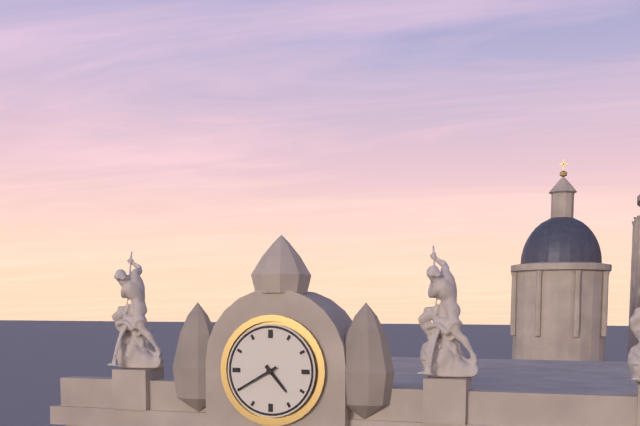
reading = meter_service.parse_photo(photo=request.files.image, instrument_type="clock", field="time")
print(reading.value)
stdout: 4:40
